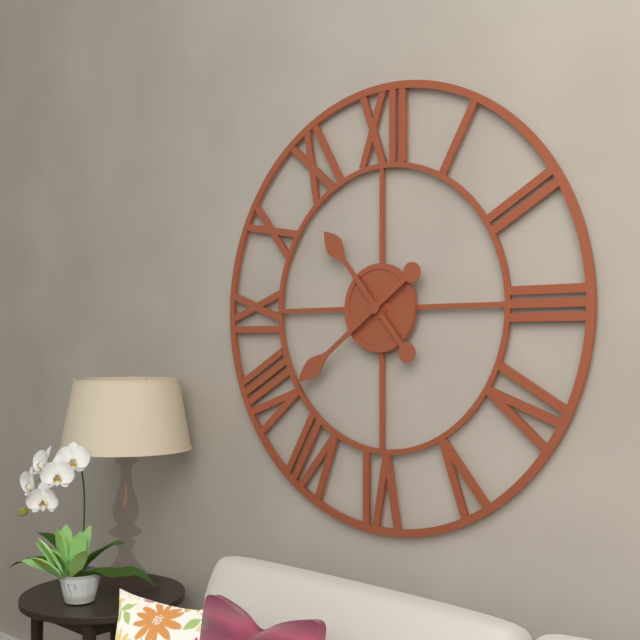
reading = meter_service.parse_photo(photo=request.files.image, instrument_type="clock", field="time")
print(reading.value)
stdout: 10:39
